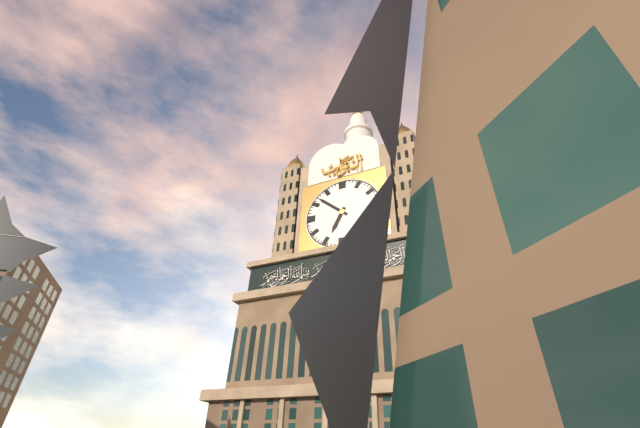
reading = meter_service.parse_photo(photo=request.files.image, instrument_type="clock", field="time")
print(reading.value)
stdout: 6:52
